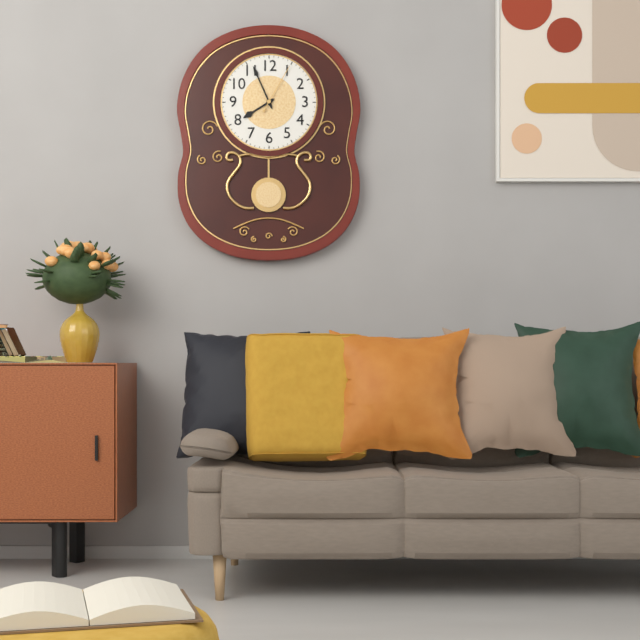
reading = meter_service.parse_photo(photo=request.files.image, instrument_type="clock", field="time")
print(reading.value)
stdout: 7:56:05
